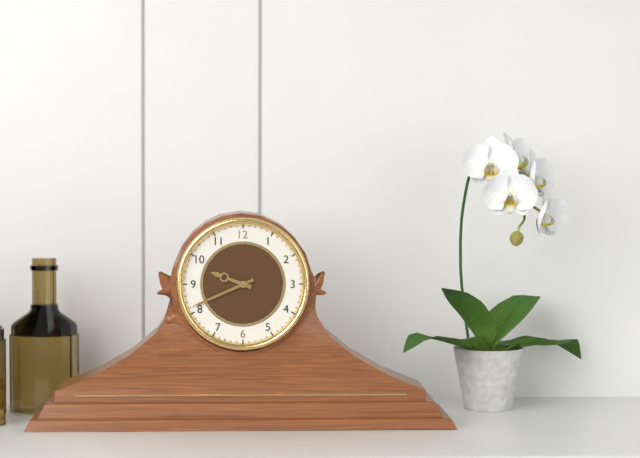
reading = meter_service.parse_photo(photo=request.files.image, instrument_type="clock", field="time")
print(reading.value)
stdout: 9:41
